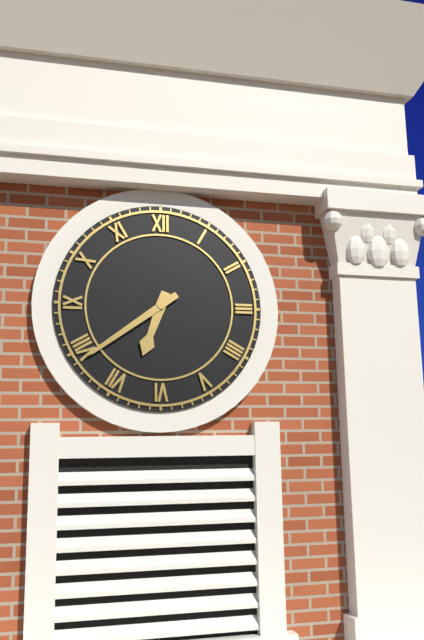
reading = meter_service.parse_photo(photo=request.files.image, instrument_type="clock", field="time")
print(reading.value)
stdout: 6:39
